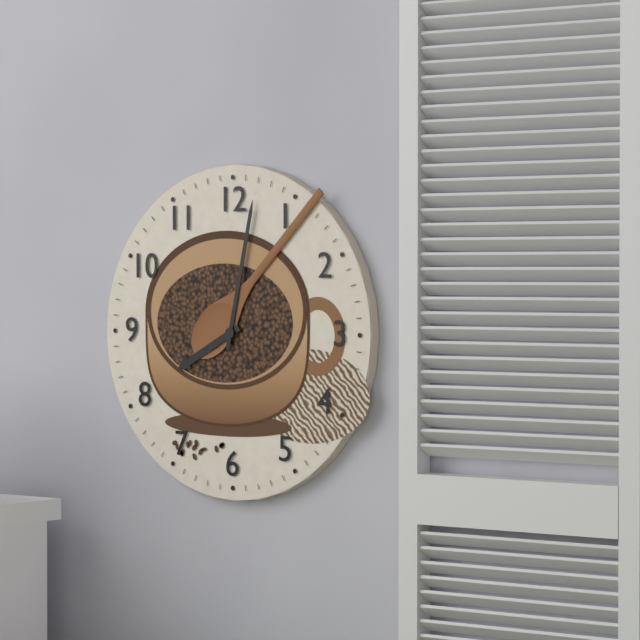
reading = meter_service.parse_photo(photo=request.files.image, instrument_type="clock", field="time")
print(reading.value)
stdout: 8:02
